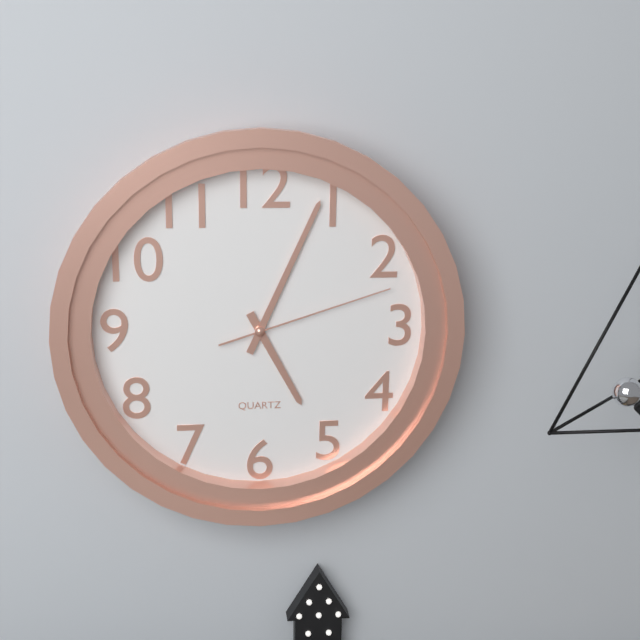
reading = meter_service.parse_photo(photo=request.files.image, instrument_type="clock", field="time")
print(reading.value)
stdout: 5:04:12
